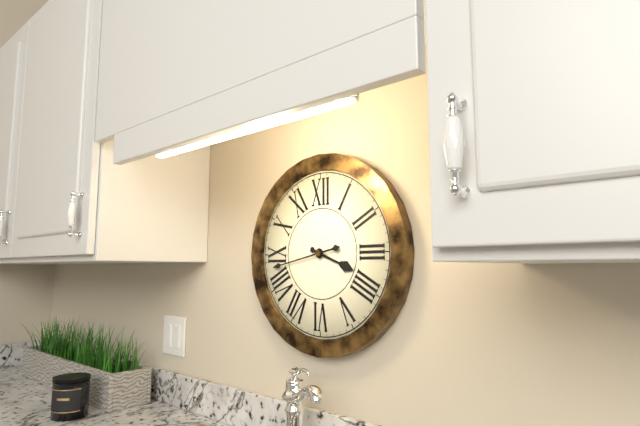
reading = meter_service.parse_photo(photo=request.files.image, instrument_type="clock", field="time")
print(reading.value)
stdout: 3:43
